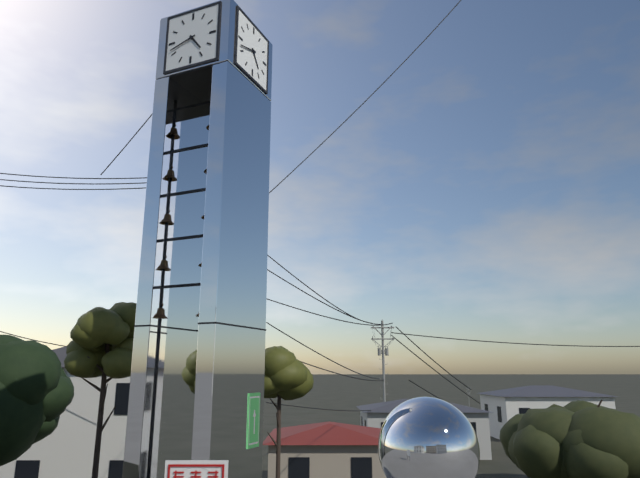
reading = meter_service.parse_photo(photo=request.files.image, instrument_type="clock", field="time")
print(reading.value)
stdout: 4:42
